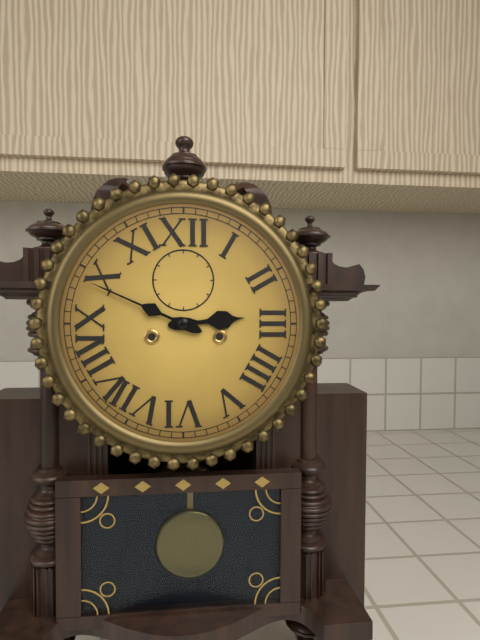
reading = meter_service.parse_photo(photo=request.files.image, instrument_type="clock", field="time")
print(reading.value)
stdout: 2:49
